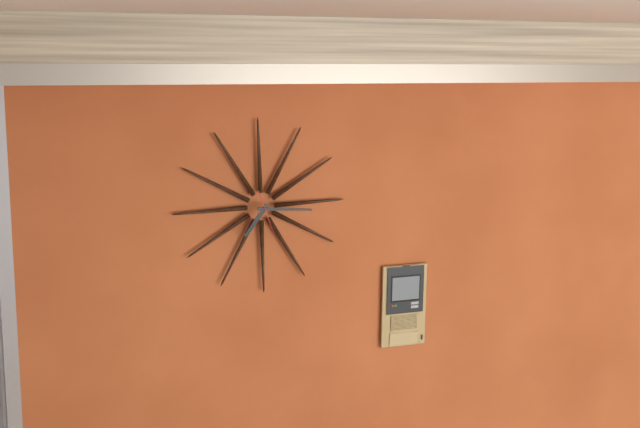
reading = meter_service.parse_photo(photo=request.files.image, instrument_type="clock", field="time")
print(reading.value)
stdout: 7:16
